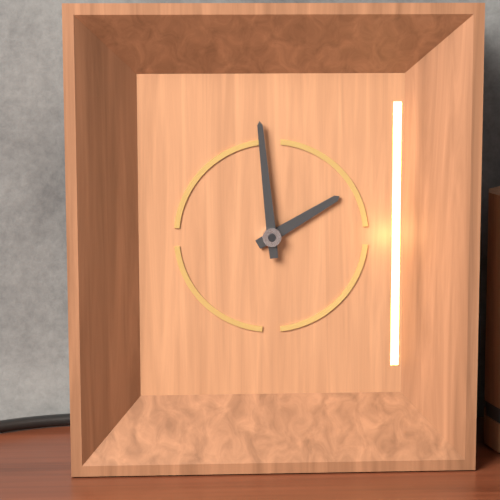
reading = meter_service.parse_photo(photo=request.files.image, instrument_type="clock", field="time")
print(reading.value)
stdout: 1:59
